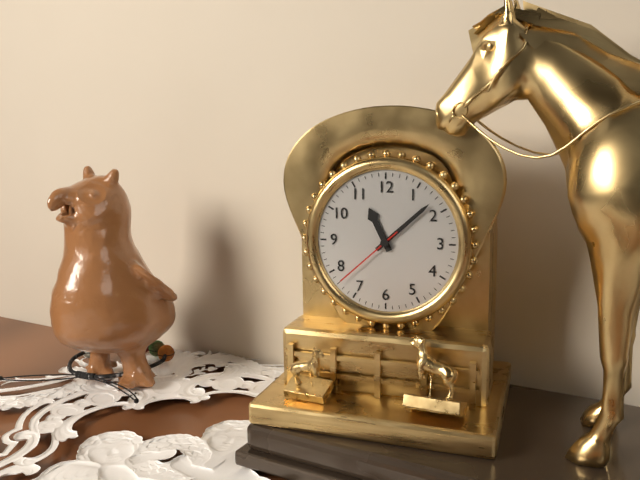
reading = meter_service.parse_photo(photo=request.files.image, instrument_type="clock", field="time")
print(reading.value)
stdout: 11:08:38
